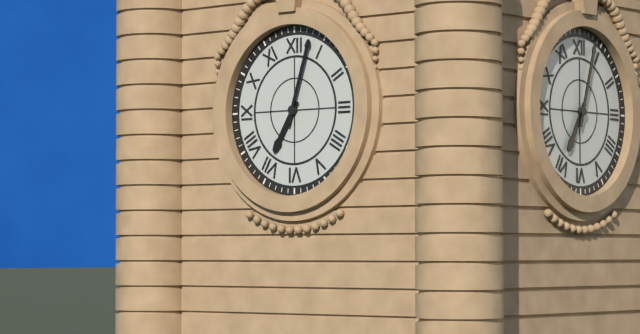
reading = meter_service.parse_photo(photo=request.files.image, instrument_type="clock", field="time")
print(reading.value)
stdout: 7:03
